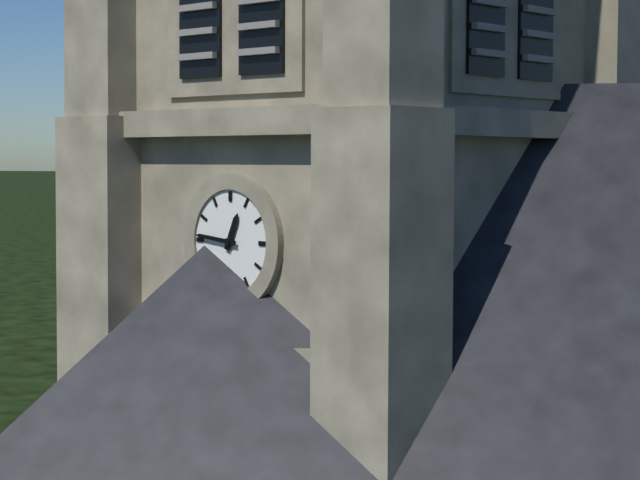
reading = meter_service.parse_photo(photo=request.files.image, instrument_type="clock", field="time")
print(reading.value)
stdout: 12:46
